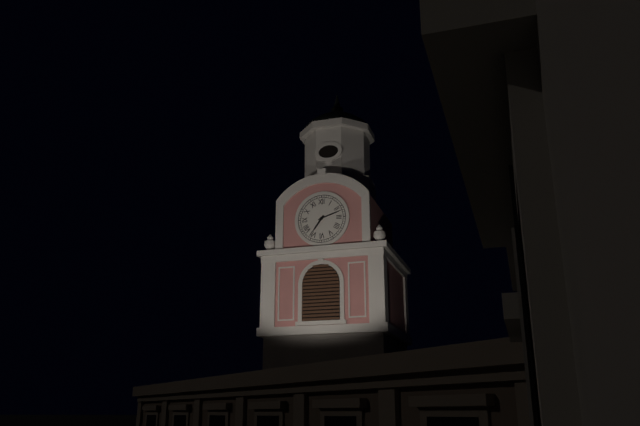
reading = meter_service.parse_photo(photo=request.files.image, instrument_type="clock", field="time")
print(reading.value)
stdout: 7:12
